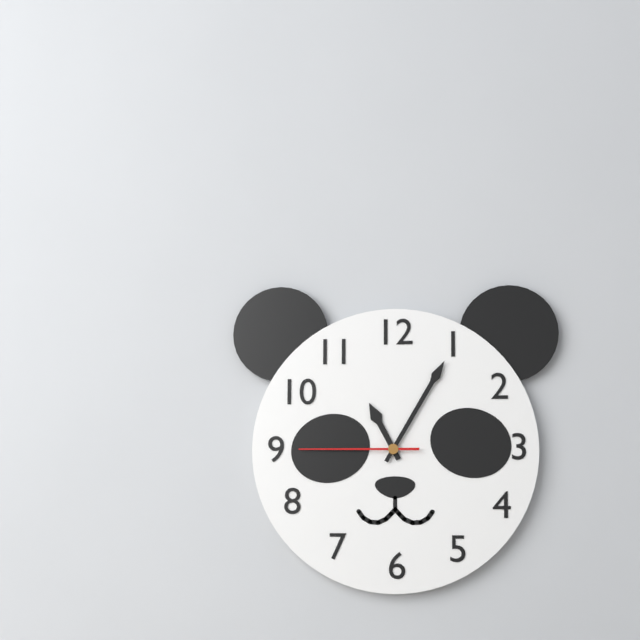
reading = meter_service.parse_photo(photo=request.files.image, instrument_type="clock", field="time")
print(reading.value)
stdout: 11:05:45
